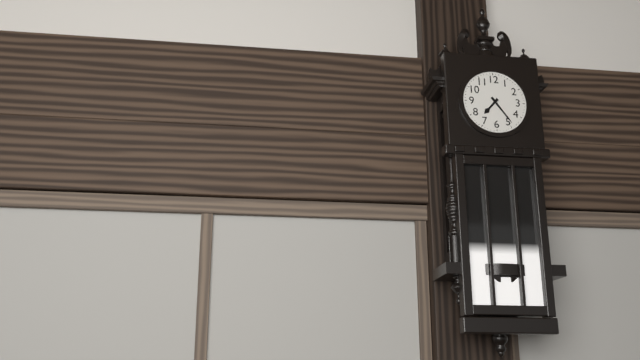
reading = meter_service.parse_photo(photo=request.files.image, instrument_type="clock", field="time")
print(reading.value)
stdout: 7:24
